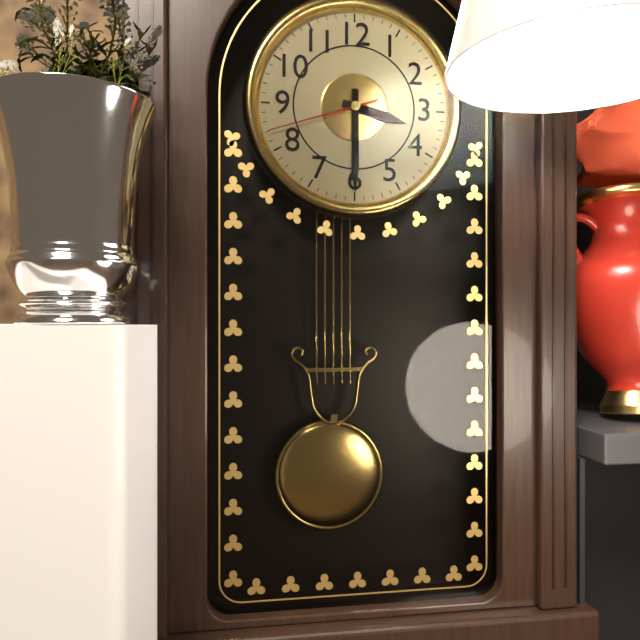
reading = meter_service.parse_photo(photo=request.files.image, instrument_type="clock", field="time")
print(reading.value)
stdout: 3:30:42
